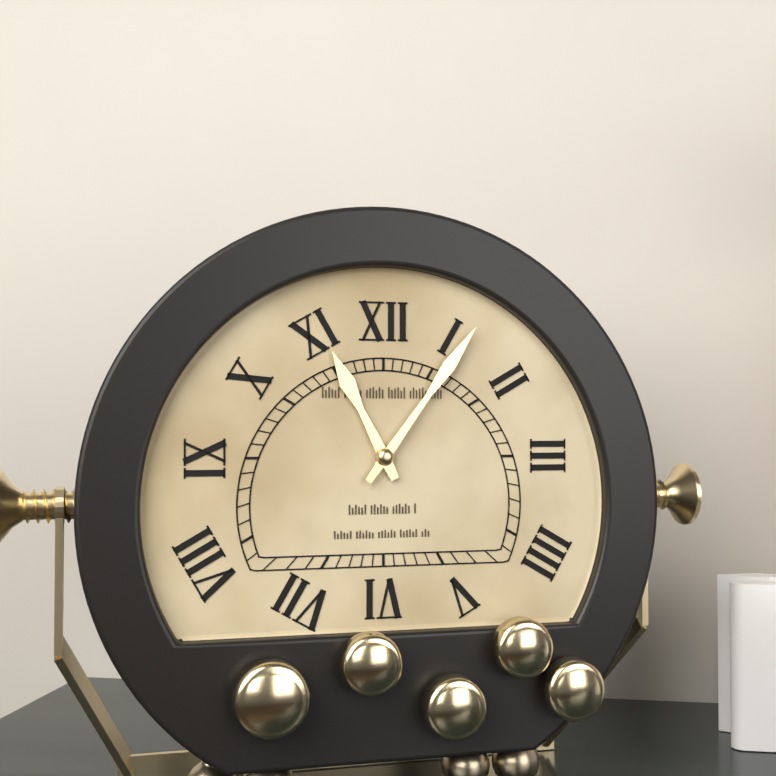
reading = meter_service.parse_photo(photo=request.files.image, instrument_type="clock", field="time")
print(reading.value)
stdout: 11:06
